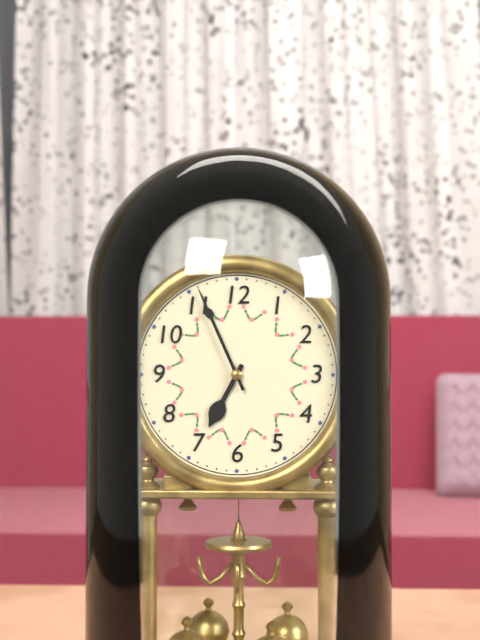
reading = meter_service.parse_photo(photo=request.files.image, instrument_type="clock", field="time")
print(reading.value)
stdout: 6:56
